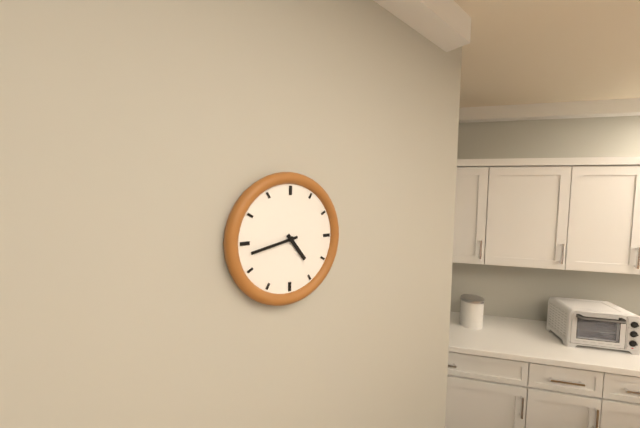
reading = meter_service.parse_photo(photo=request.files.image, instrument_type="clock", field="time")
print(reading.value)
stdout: 4:43
